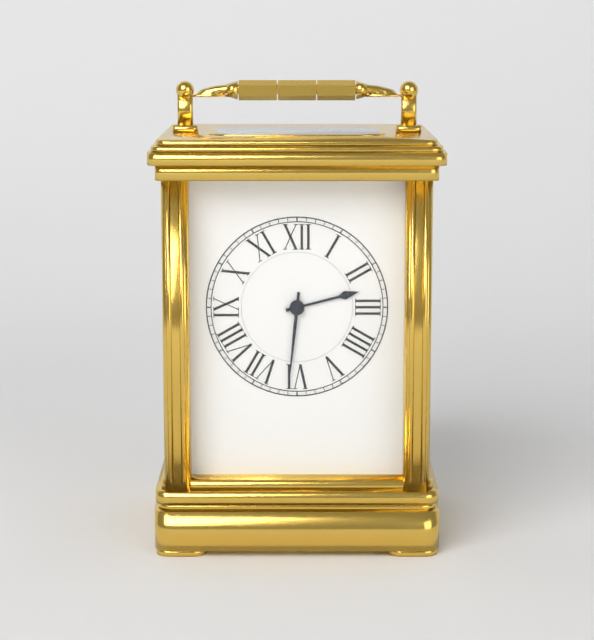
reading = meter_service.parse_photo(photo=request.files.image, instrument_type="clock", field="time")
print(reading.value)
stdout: 2:31
